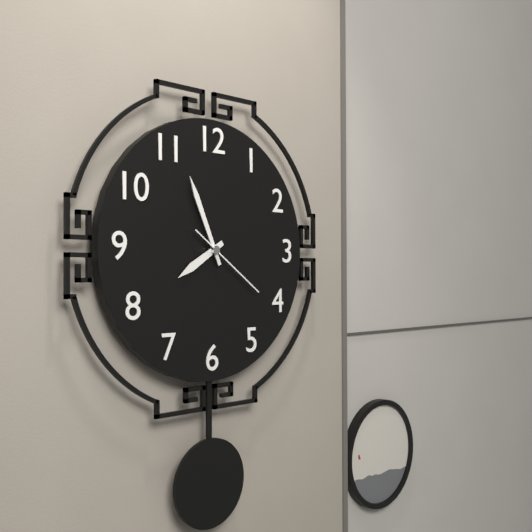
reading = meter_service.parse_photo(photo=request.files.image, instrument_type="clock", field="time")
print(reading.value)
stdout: 7:56:21
